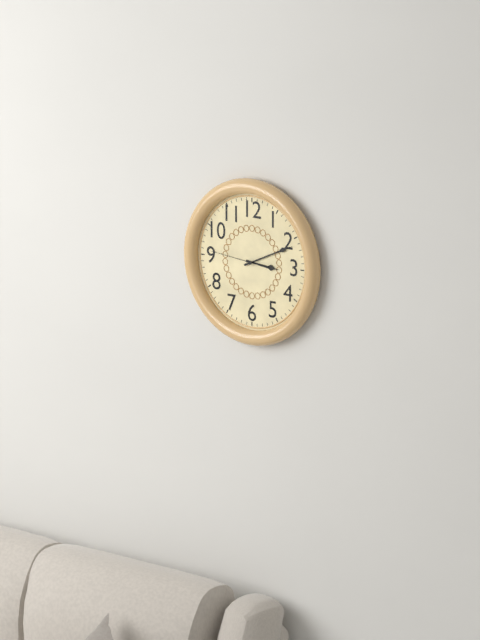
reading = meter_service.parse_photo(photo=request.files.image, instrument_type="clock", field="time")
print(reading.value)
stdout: 3:11:46
